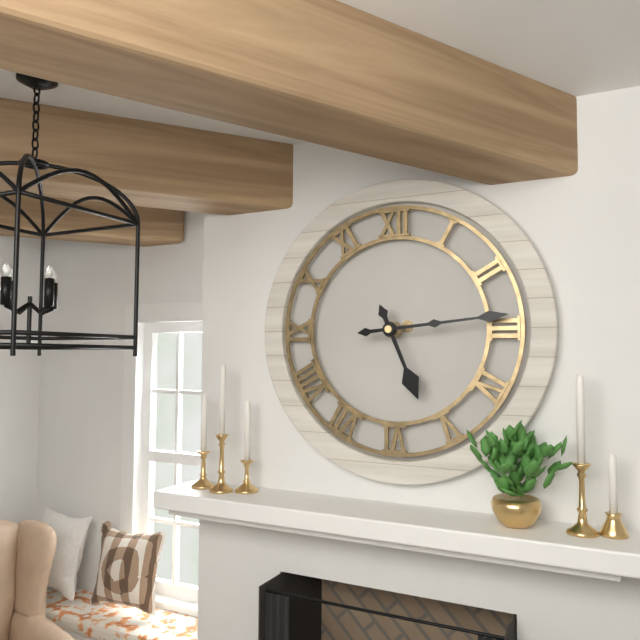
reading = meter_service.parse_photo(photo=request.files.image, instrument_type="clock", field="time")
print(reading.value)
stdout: 5:14
